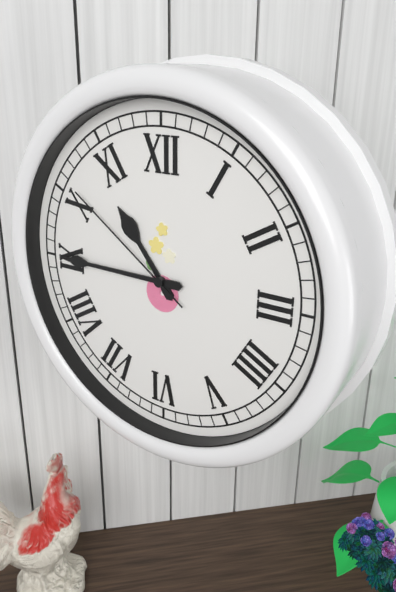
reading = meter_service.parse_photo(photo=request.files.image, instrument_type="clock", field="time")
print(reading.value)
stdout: 10:45:51
